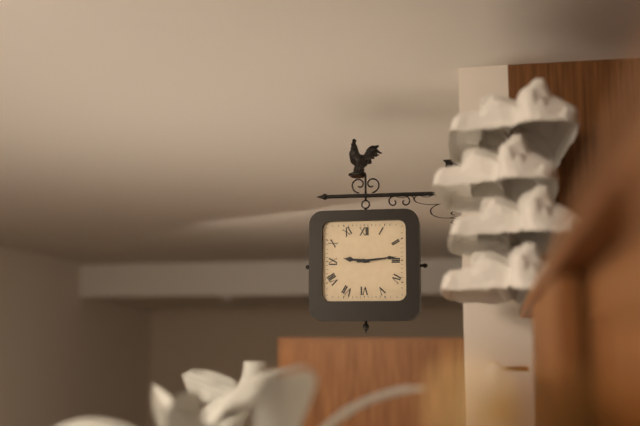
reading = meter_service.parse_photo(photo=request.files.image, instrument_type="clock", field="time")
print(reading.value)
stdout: 9:14
